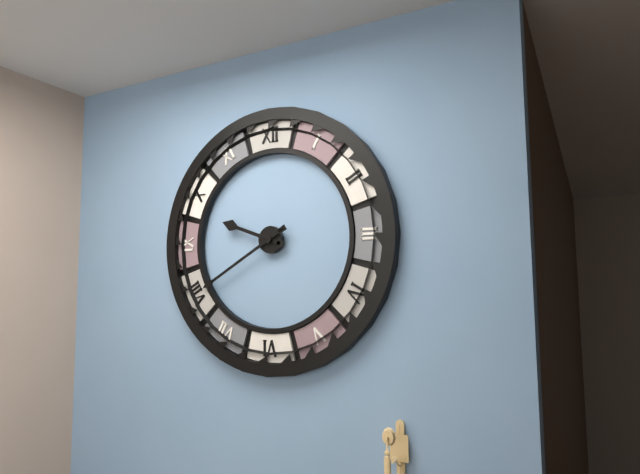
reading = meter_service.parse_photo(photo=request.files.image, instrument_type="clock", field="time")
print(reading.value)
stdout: 9:40
